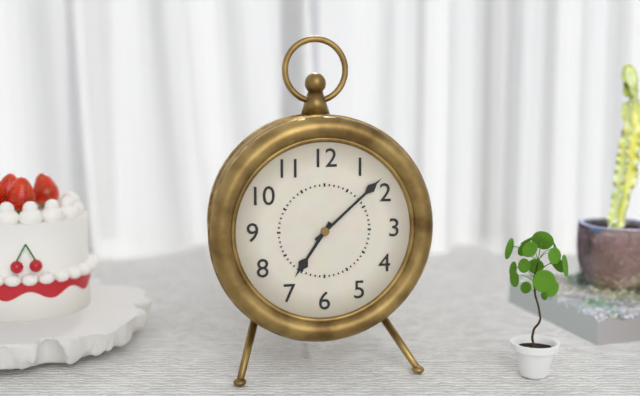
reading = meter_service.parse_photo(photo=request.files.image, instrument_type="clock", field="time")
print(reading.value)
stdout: 7:08
